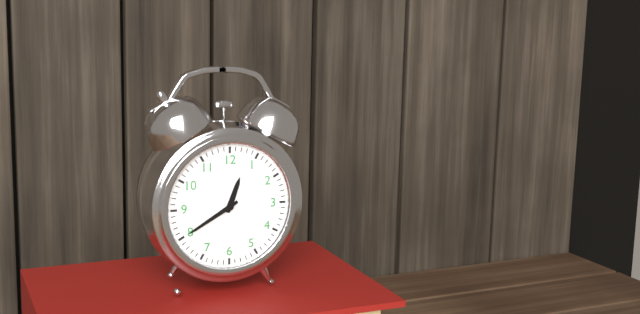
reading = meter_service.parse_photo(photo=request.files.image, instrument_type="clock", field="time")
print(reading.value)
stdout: 12:40
